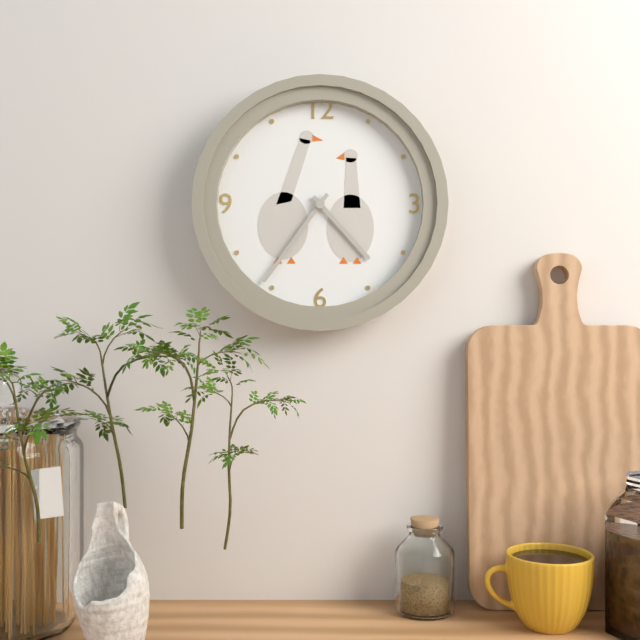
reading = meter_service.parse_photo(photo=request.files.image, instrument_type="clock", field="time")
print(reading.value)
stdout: 4:36
